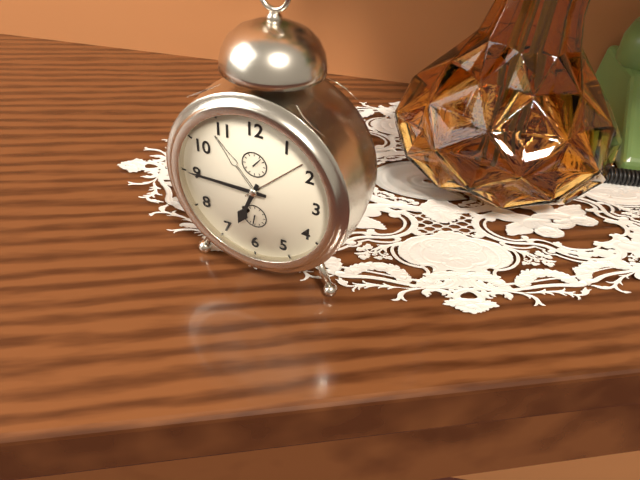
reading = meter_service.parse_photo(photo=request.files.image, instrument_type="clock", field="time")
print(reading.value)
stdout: 6:45
